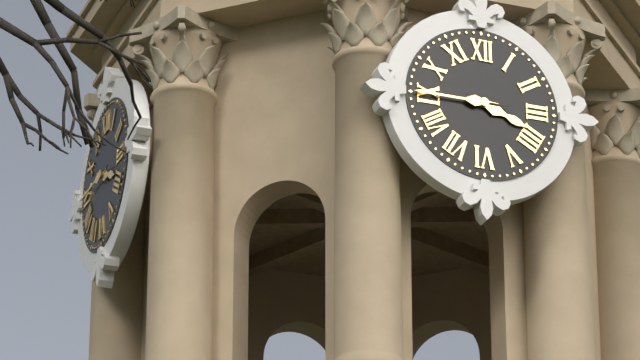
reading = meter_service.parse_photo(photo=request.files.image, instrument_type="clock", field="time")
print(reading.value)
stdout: 3:45
